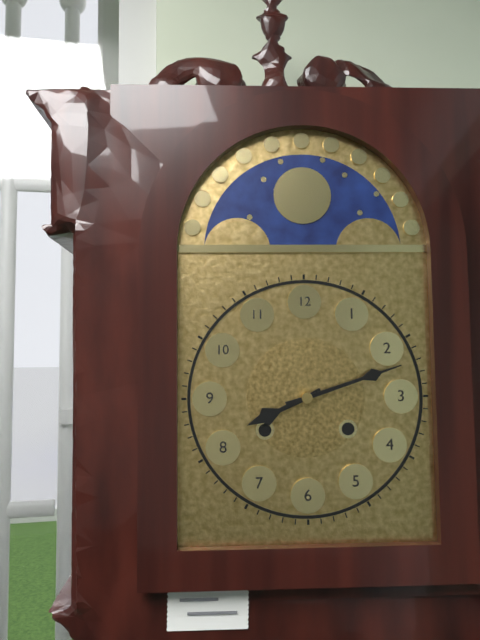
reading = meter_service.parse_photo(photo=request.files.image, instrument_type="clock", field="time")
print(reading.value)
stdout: 8:12
